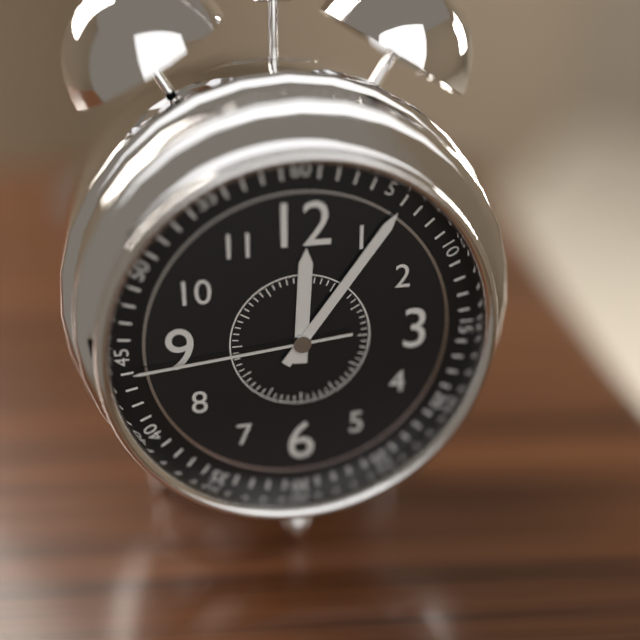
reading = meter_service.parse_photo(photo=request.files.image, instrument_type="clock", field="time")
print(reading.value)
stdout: 12:06:44
